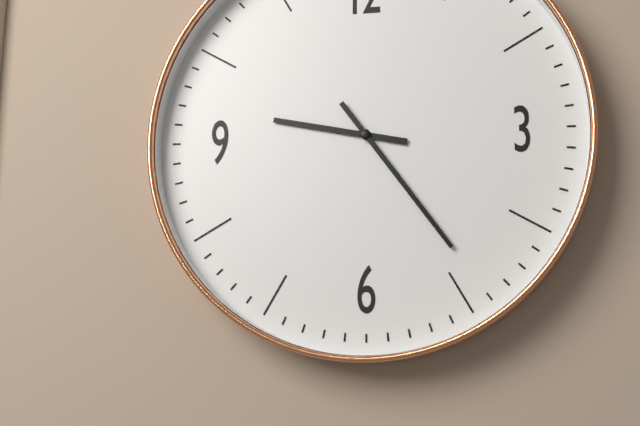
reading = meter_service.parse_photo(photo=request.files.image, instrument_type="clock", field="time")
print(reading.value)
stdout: 9:24
